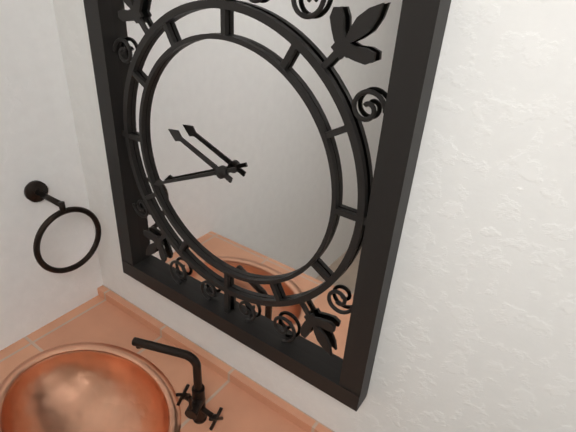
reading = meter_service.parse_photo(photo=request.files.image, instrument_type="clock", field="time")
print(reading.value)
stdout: 9:41
